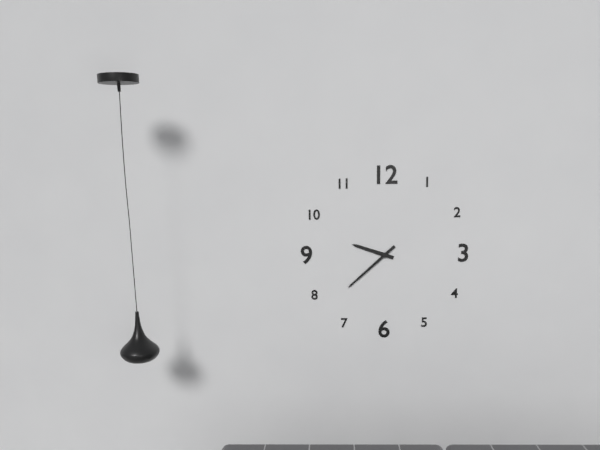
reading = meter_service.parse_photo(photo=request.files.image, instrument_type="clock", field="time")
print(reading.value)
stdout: 9:38
